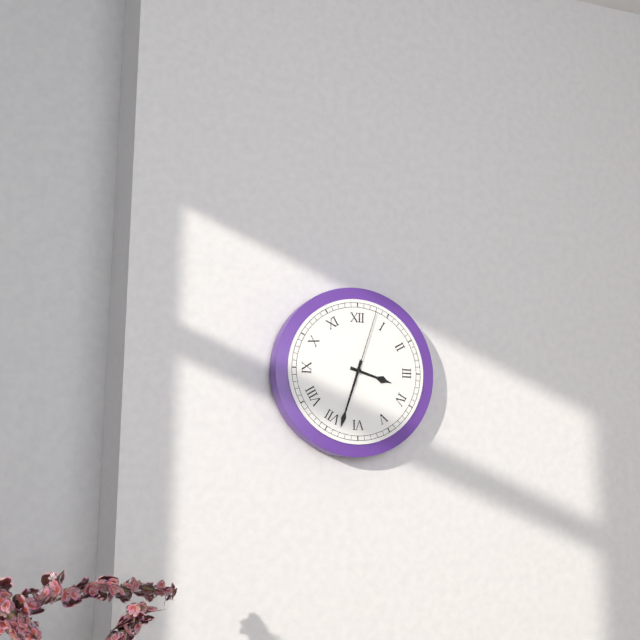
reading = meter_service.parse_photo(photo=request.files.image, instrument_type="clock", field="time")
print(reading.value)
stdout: 3:33:03
